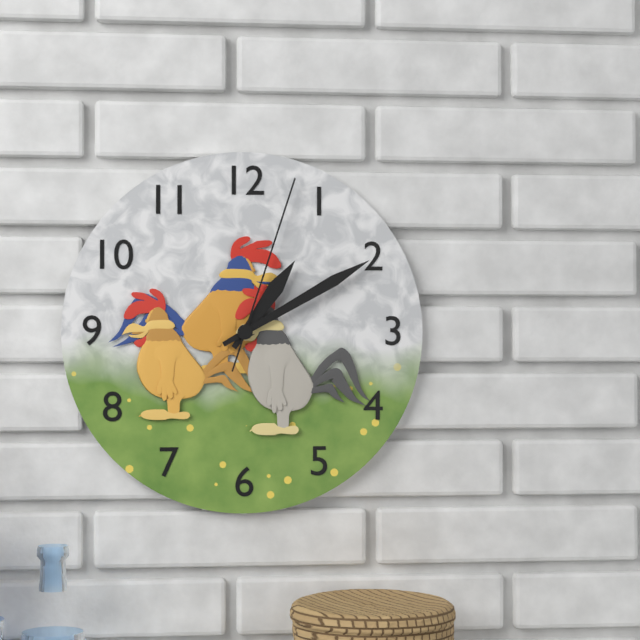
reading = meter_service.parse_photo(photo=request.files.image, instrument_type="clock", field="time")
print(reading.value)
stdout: 1:10:03
